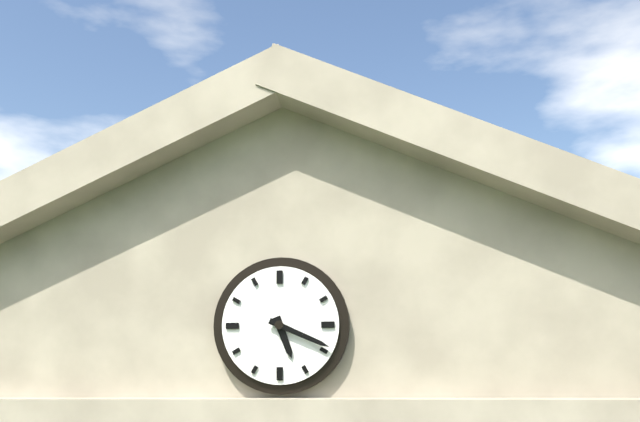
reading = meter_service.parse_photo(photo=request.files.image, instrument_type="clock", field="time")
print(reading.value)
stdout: 5:19
